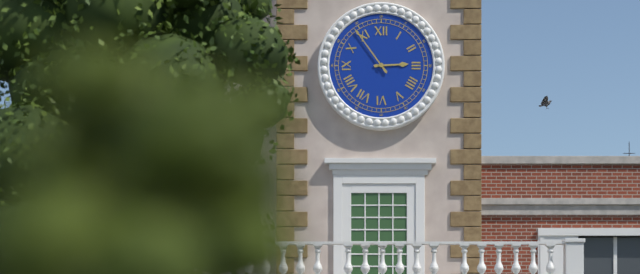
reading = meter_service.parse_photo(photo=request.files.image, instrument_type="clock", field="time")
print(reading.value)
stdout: 2:54
